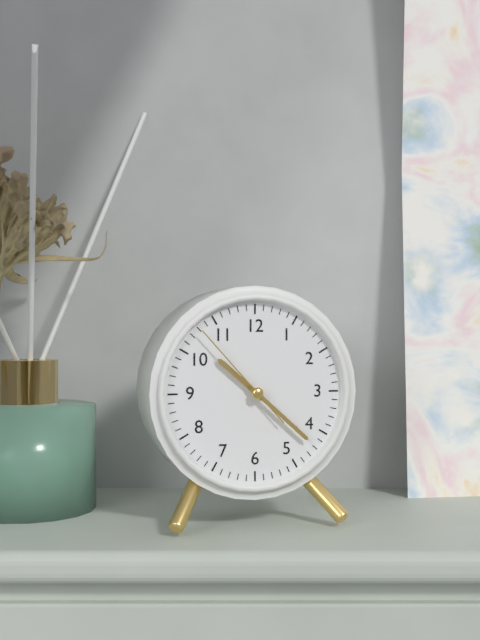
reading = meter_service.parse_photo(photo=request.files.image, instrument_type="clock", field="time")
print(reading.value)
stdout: 10:22:53
